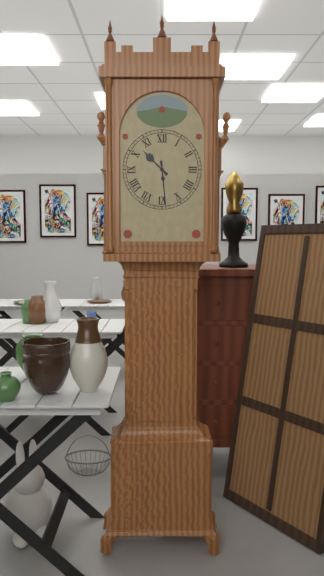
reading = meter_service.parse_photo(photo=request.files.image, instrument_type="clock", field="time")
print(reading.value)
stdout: 10:29
